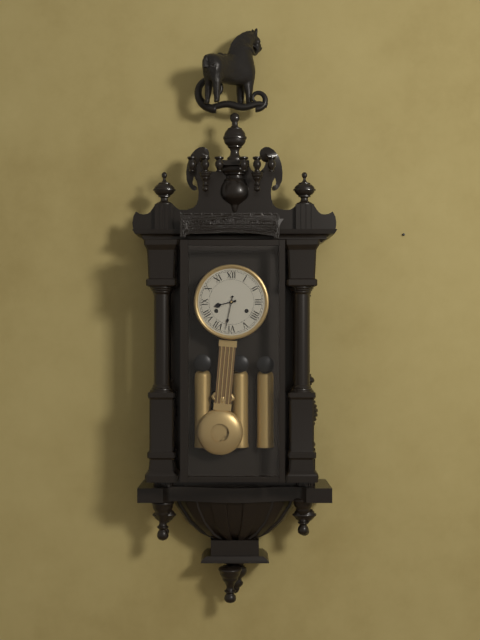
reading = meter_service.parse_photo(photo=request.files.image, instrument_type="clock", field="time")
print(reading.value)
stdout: 8:32
